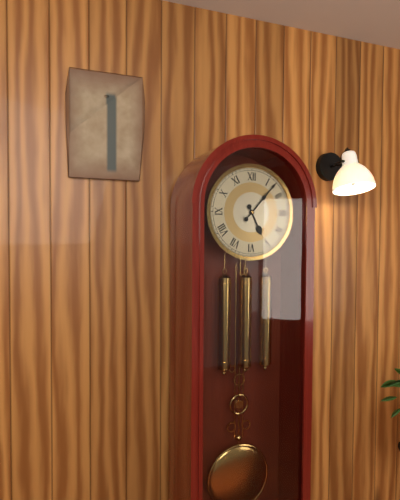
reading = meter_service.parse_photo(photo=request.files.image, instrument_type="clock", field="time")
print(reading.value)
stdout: 5:07
